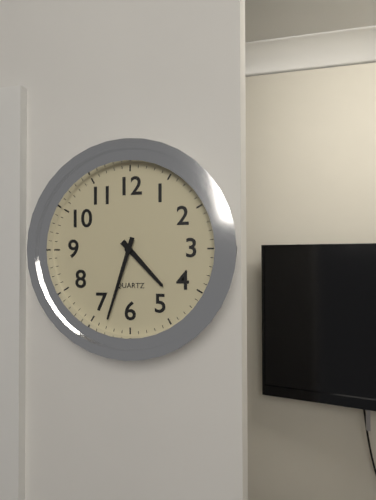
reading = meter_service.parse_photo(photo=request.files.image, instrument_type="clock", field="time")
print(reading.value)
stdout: 4:33
